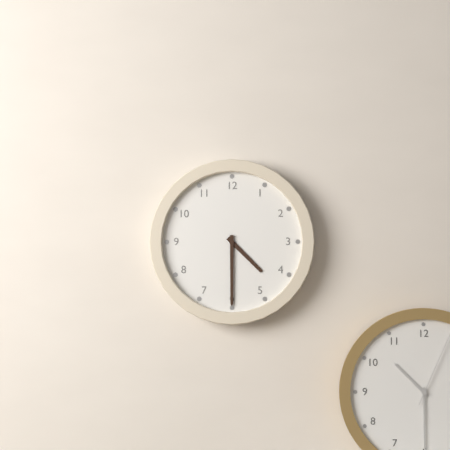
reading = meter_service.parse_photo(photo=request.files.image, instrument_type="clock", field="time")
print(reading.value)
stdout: 4:30
